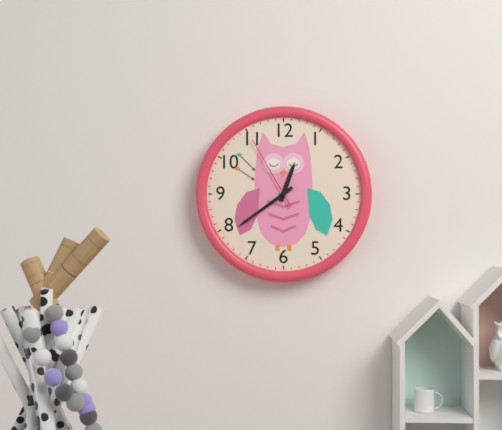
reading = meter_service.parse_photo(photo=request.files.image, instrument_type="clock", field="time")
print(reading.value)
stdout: 12:39:55
